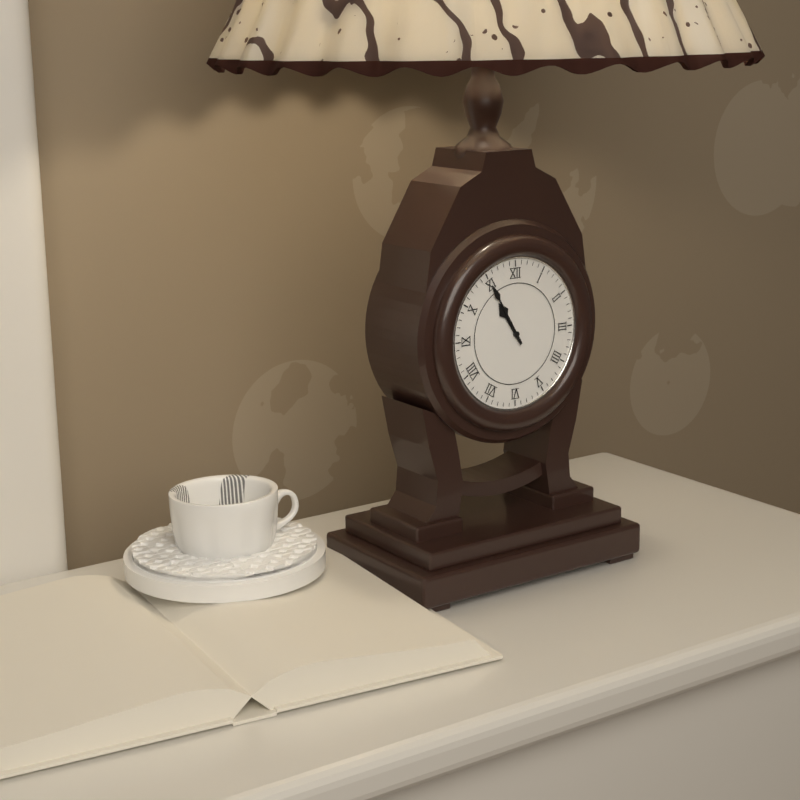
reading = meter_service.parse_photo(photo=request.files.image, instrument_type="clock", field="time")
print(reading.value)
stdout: 10:55
